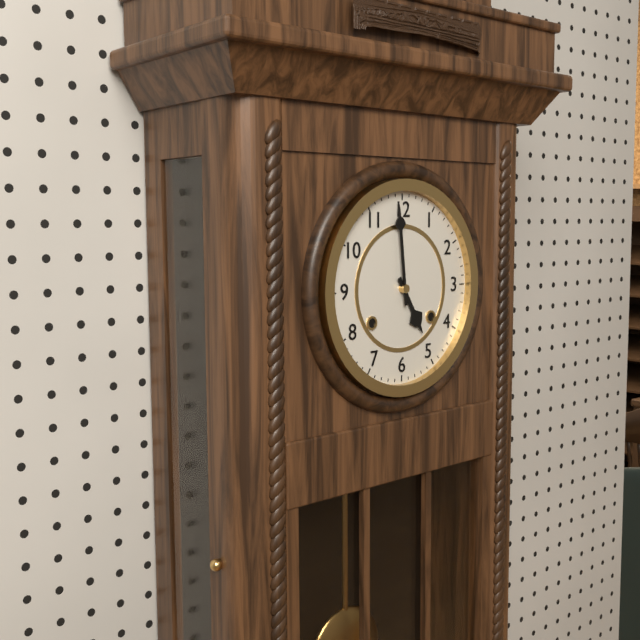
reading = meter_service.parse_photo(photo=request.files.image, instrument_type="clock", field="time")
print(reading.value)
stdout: 4:59
